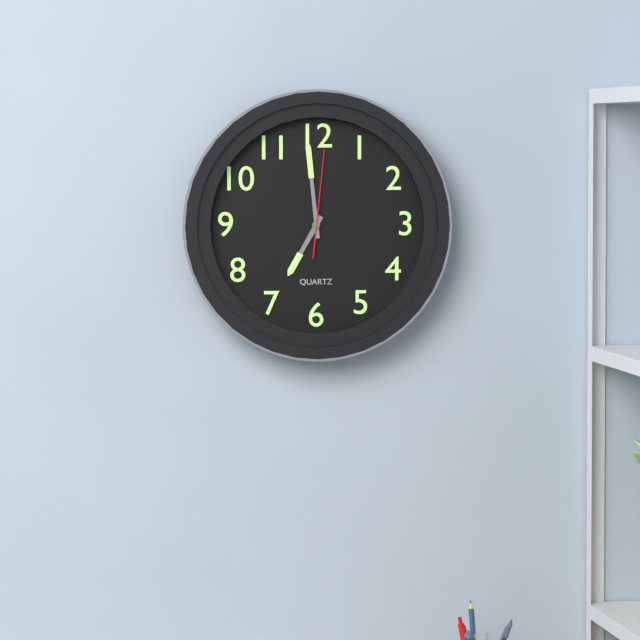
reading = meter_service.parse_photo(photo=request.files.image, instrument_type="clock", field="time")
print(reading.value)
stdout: 6:59:01
